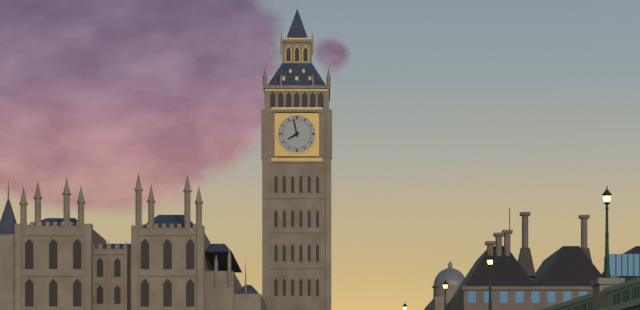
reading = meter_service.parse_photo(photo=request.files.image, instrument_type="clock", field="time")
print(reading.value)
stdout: 7:58
